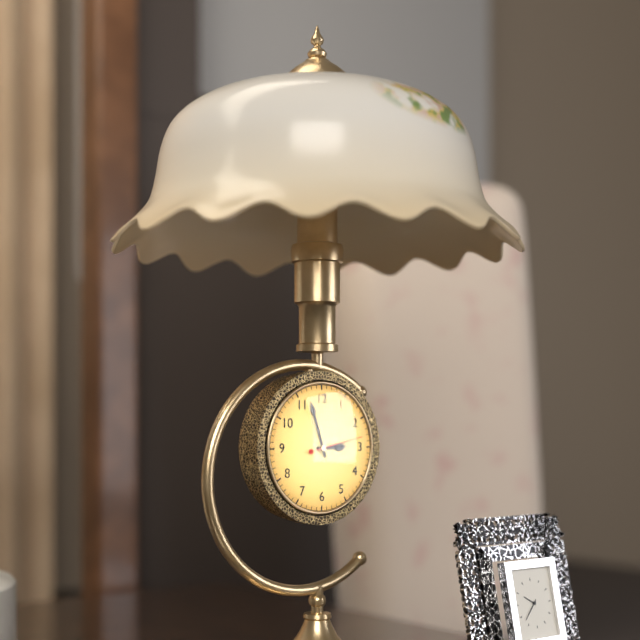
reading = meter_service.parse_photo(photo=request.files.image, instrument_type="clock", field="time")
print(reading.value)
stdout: 2:57:13
